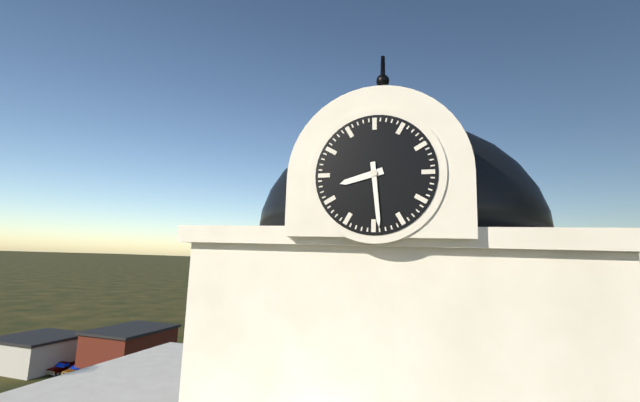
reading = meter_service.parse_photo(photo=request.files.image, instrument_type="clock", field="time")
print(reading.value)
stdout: 8:29
